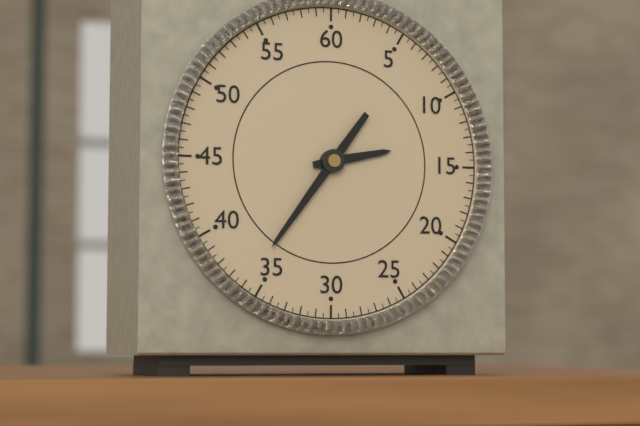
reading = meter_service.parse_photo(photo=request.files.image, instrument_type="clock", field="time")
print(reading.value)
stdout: 2:36
